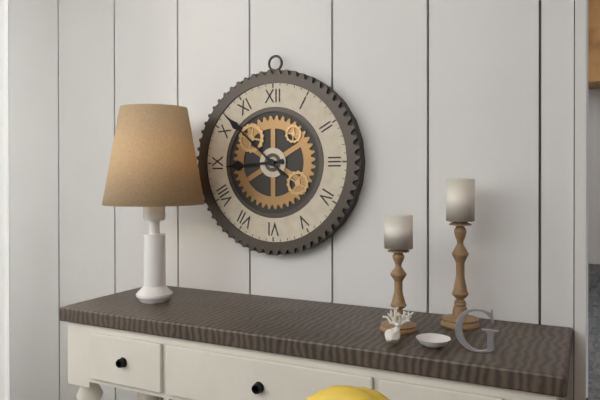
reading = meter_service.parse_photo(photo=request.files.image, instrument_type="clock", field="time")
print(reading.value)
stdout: 8:52
